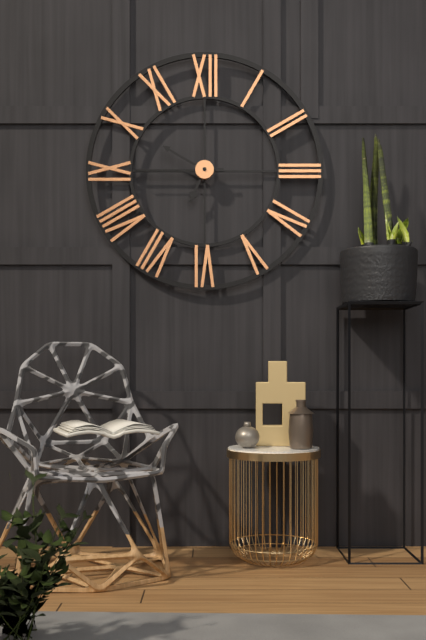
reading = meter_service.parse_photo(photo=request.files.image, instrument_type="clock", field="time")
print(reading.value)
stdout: 6:50:45
